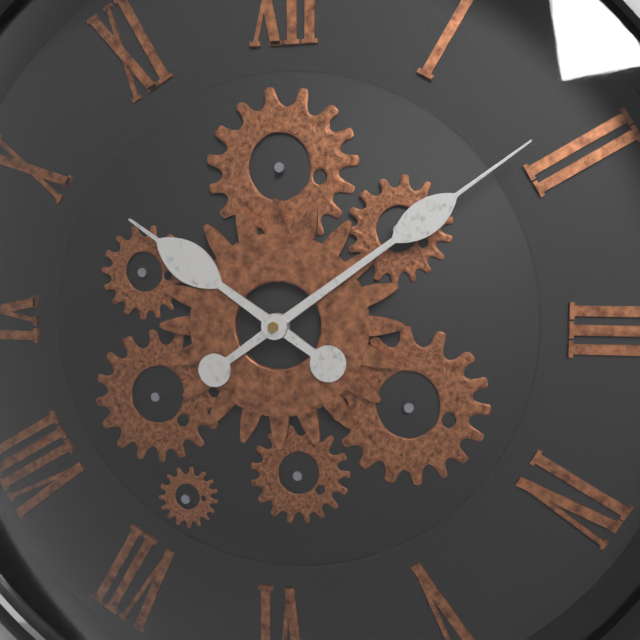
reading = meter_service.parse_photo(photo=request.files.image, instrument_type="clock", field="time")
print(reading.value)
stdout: 10:09
